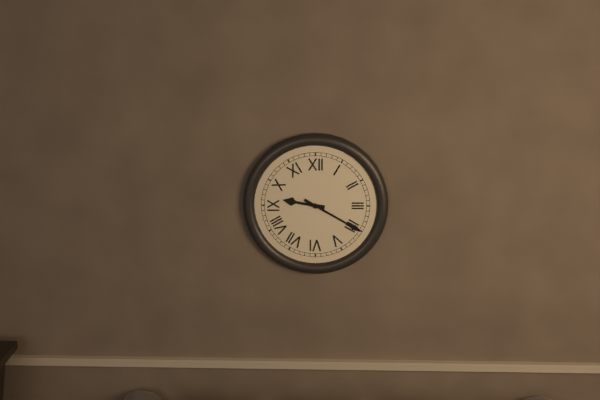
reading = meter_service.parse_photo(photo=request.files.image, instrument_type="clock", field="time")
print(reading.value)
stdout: 9:20
